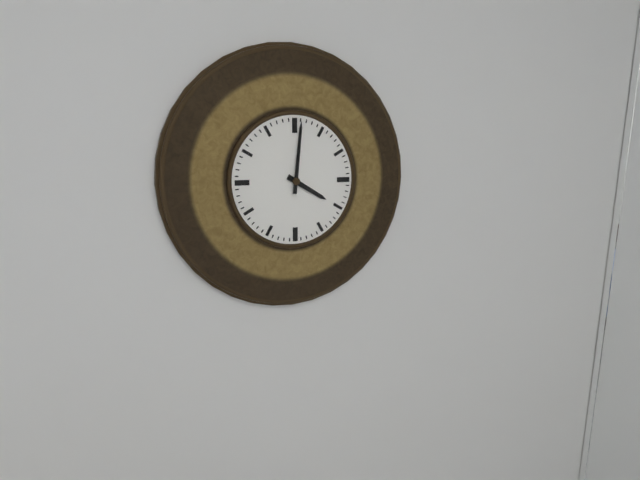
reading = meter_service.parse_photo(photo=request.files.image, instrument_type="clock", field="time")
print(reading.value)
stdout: 4:01
